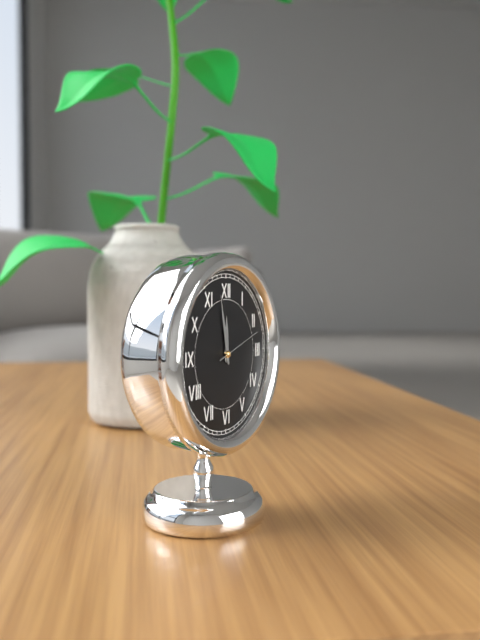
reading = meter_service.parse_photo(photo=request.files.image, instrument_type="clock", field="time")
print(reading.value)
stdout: 11:58
